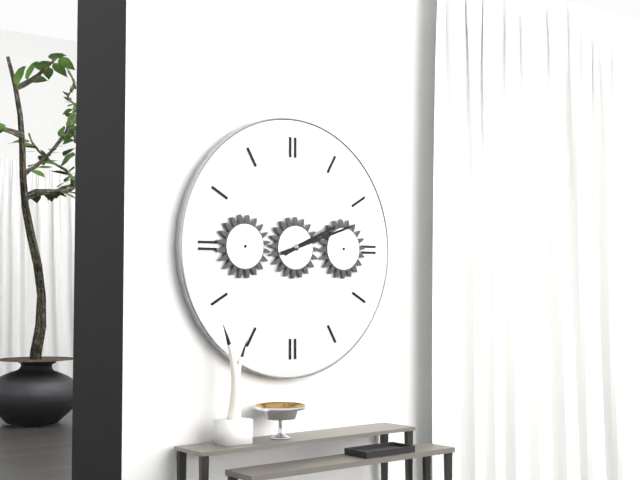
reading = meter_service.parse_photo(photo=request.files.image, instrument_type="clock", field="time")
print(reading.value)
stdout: 2:12
